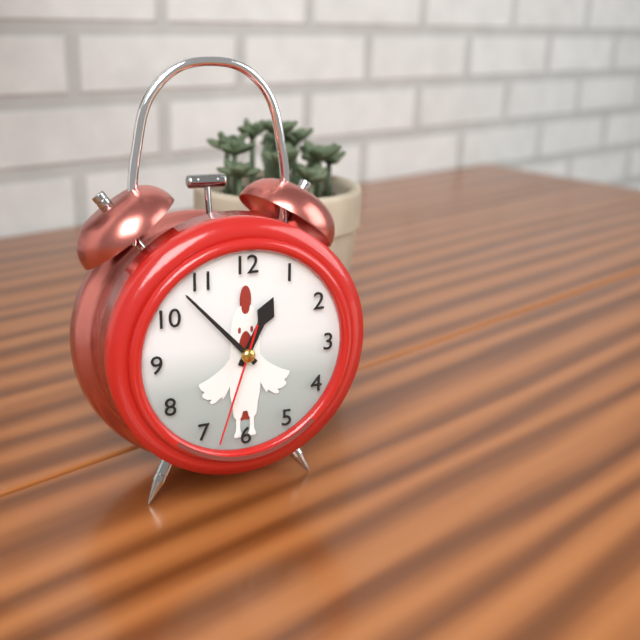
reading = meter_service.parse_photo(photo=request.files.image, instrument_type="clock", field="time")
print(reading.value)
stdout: 12:53:33
